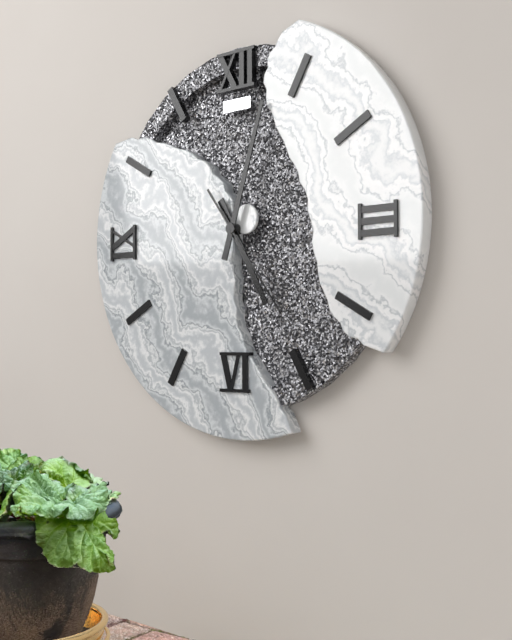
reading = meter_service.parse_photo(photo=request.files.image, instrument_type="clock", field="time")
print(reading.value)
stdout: 5:03:24
